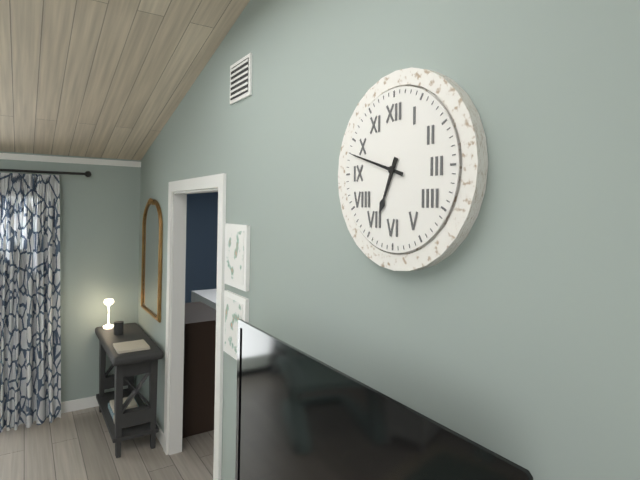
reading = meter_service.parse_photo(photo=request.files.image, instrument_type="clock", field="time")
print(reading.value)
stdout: 6:48
